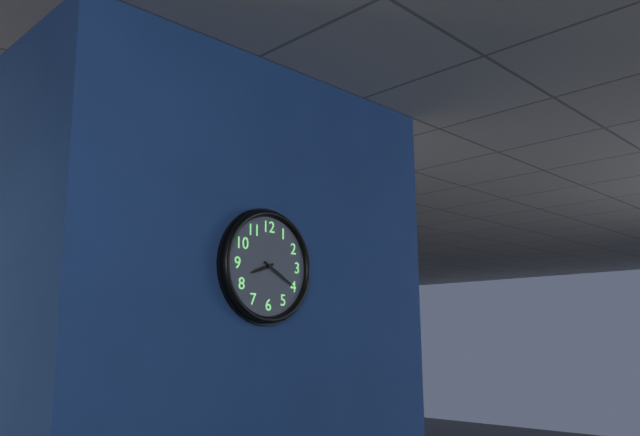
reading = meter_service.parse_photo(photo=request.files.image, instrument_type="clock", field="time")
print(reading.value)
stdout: 8:20
